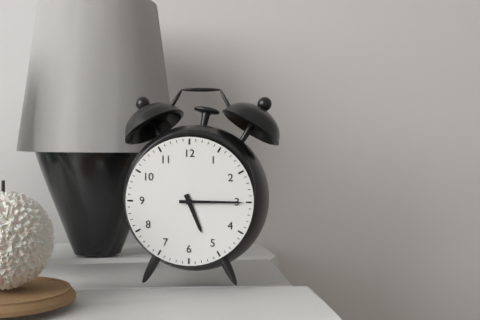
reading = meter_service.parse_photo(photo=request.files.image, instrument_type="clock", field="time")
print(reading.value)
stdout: 5:15
